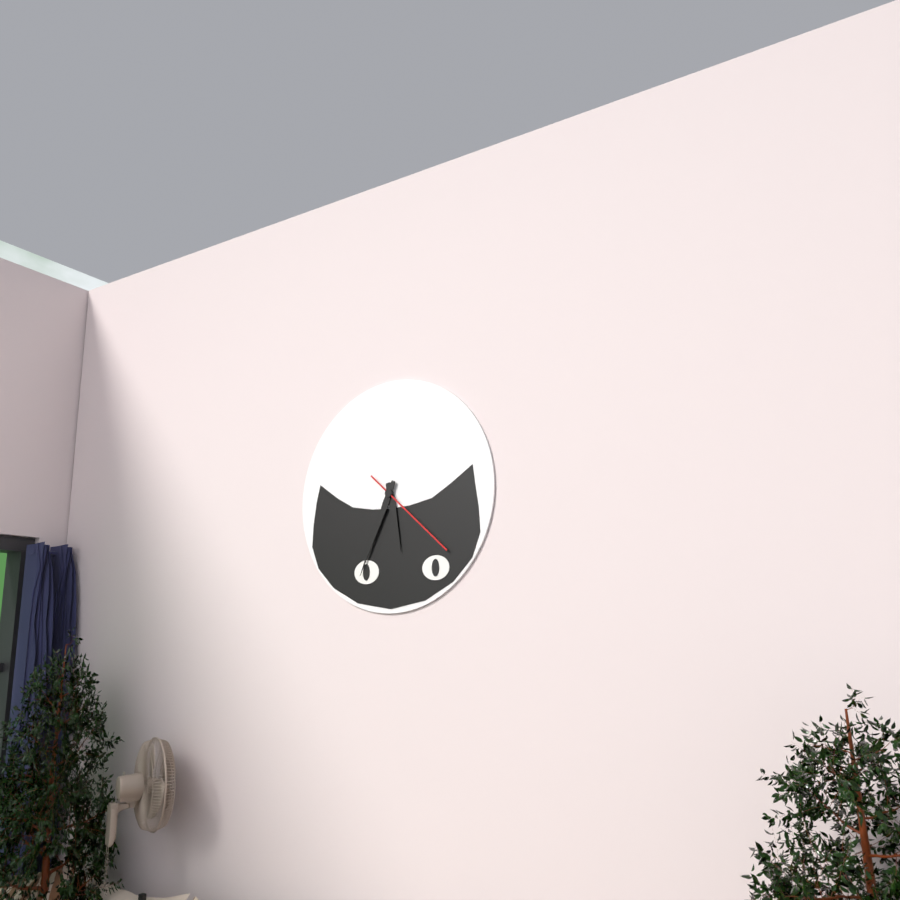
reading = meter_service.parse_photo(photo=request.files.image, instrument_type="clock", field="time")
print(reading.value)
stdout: 5:34:22
